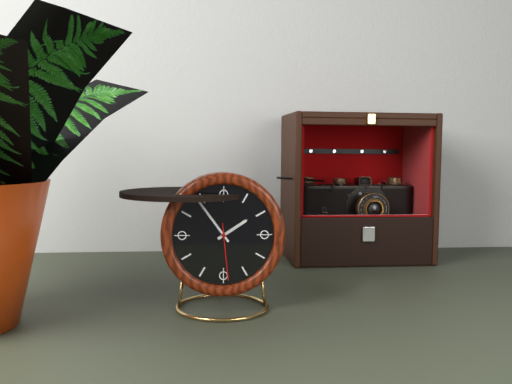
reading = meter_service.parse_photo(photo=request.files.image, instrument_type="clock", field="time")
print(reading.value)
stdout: 1:54:29
